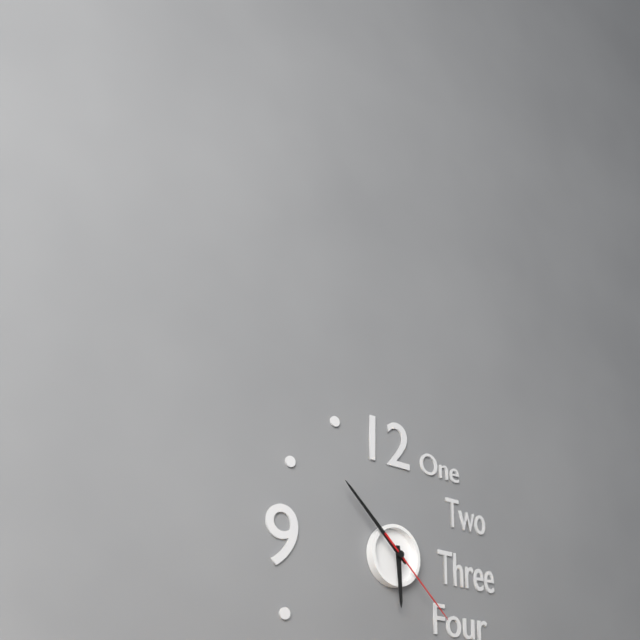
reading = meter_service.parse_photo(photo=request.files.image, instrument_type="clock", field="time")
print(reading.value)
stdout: 5:52:22
